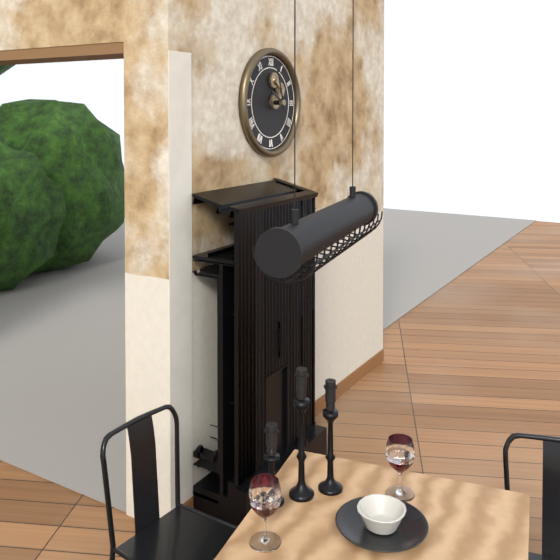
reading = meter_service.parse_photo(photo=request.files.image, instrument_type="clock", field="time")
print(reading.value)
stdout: 9:57
